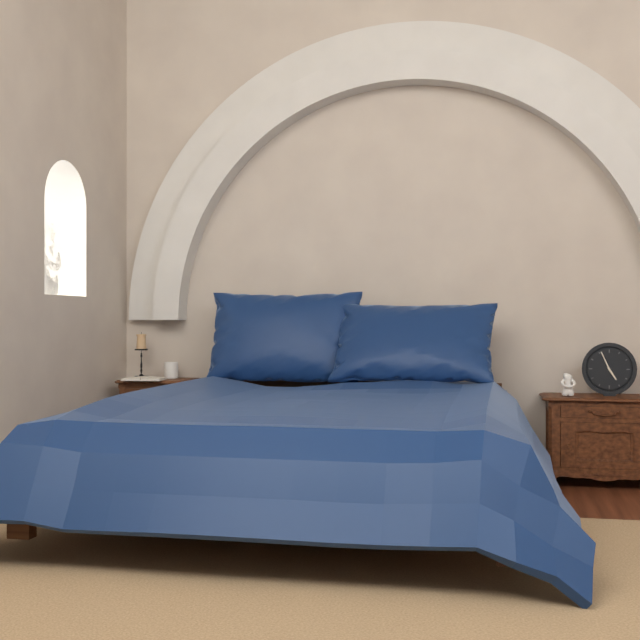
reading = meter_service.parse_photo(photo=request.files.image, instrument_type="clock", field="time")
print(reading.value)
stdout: 4:56
